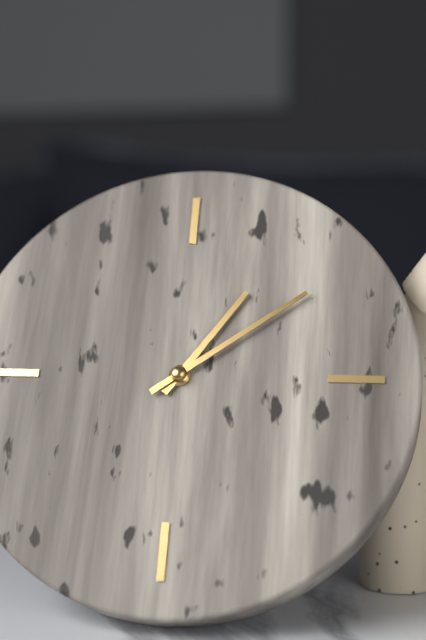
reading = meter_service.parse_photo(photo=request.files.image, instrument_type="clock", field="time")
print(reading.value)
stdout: 1:09
